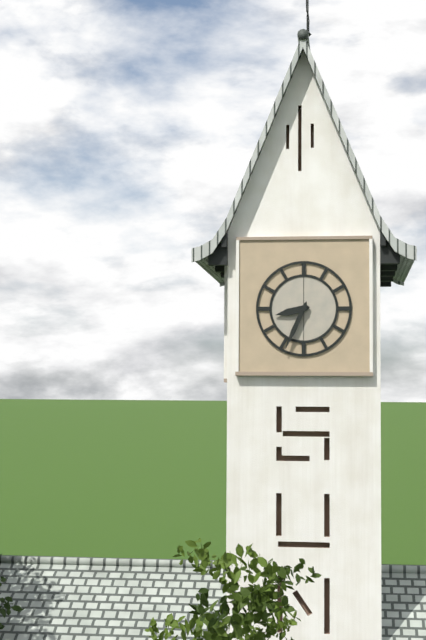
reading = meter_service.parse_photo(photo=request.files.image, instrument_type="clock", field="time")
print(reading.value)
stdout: 8:34
